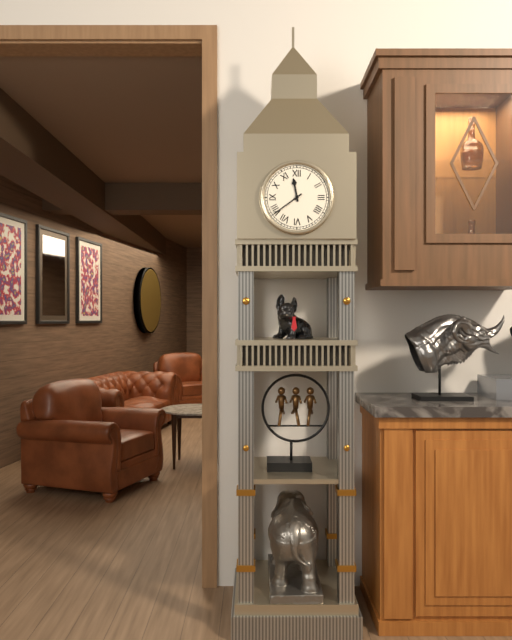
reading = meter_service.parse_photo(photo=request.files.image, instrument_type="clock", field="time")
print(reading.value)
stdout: 11:39
